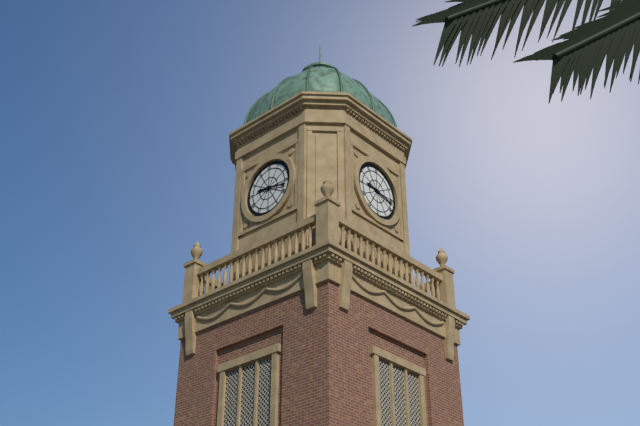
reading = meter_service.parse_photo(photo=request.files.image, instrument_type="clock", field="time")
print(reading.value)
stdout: 9:17
